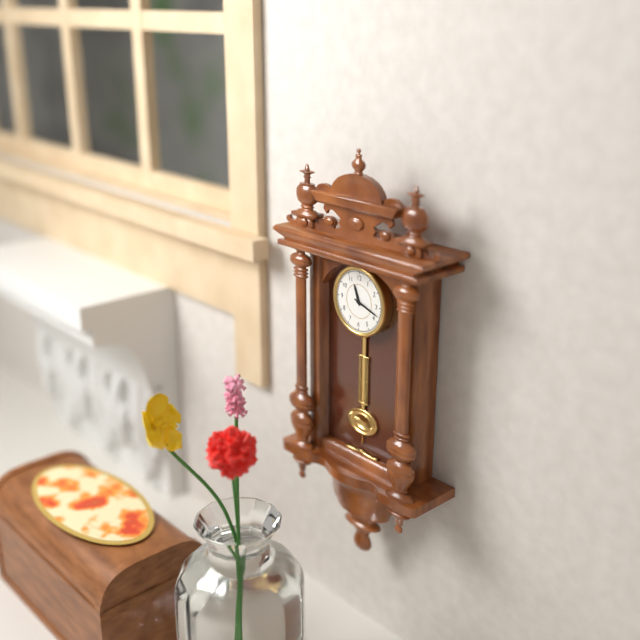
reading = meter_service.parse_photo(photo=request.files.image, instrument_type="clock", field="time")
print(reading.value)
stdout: 11:18
